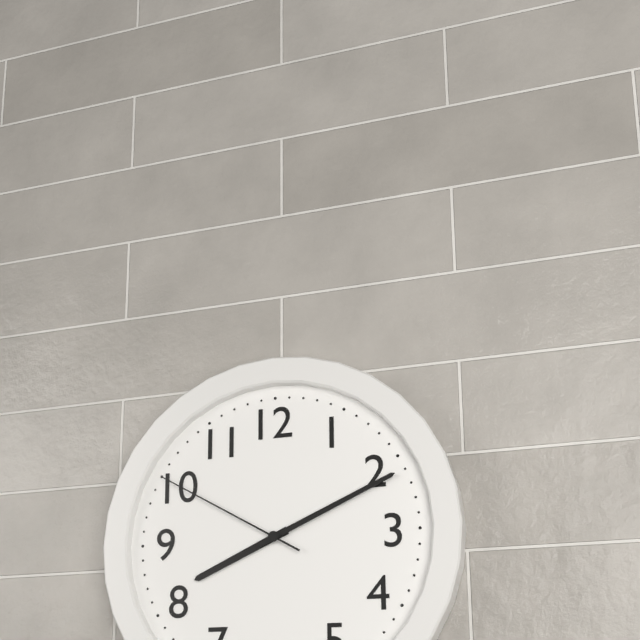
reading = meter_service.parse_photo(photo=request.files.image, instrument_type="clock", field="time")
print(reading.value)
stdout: 8:11:50
